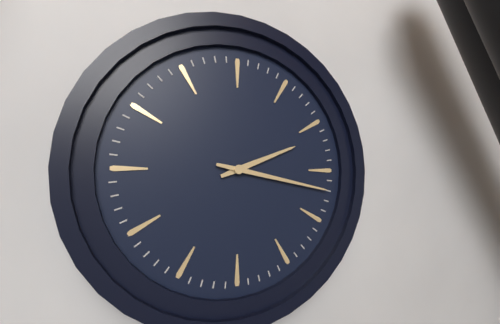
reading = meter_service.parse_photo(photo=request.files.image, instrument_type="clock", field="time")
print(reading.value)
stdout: 2:17
